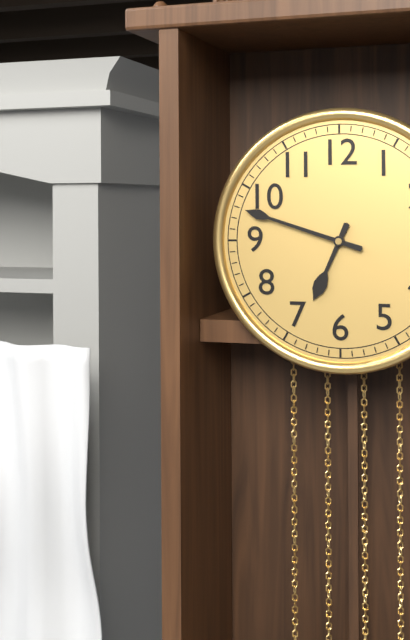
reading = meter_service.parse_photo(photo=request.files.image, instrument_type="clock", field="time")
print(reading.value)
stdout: 6:48
